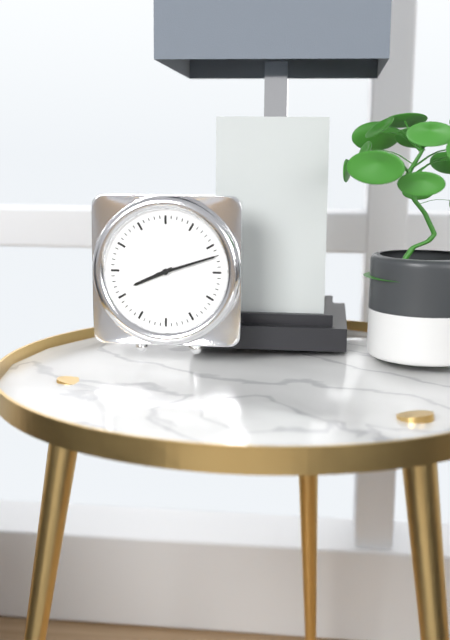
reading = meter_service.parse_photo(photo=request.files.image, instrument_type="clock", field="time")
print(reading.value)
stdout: 8:12
